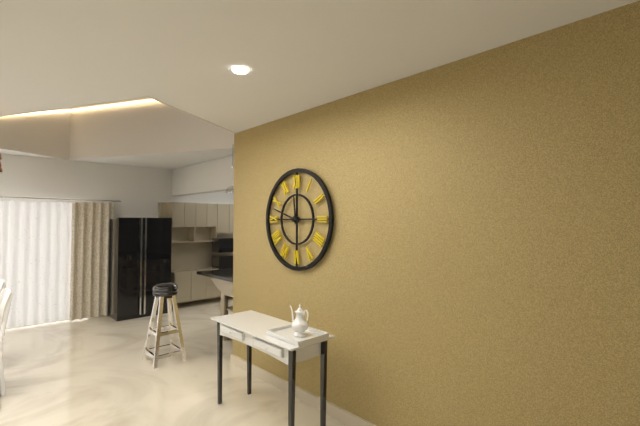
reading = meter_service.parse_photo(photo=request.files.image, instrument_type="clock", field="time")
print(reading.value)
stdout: 11:48
